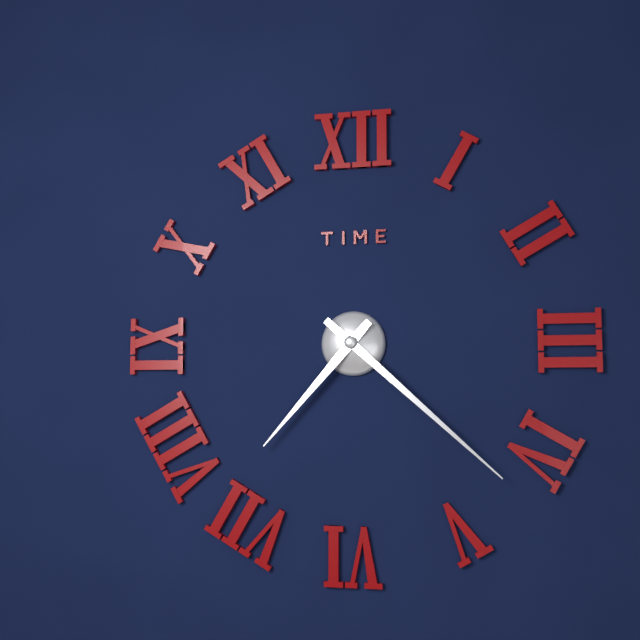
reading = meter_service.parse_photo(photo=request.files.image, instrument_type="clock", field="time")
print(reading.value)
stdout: 7:22
